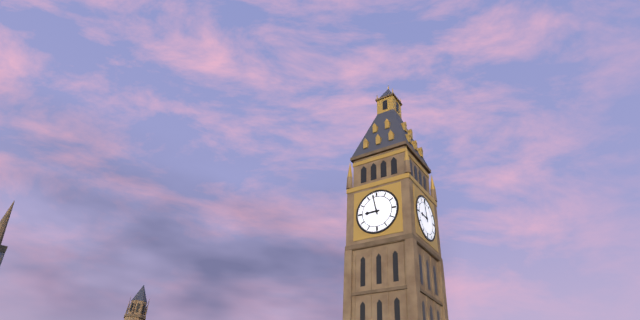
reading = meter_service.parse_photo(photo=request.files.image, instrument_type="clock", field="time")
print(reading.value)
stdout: 8:58
